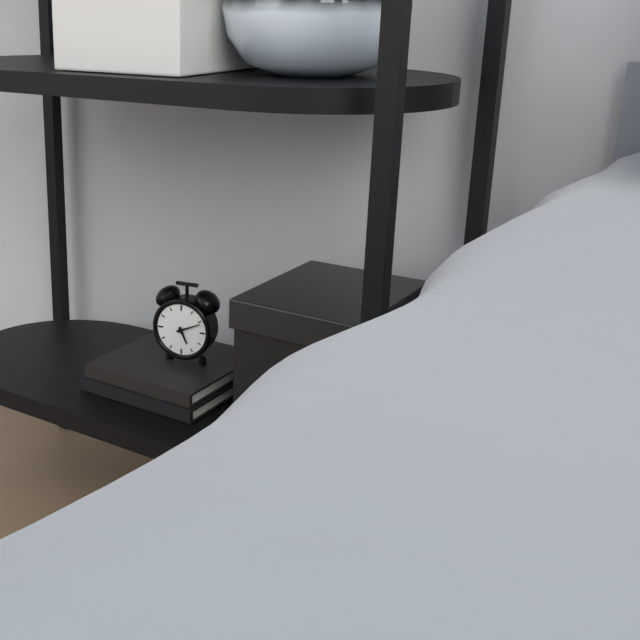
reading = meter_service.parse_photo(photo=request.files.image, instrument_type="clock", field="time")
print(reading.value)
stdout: 5:11
